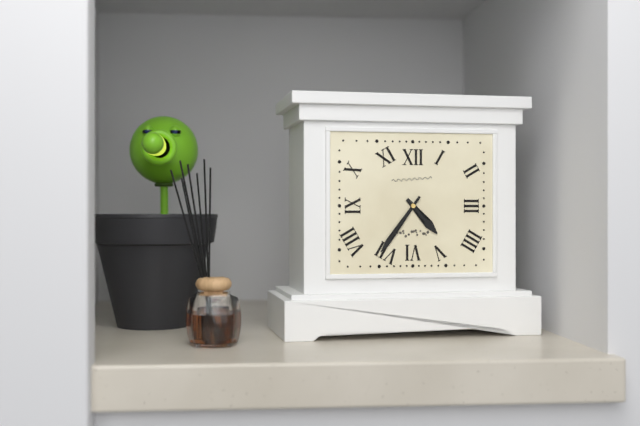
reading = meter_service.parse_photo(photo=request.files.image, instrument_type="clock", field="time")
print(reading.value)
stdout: 4:36
